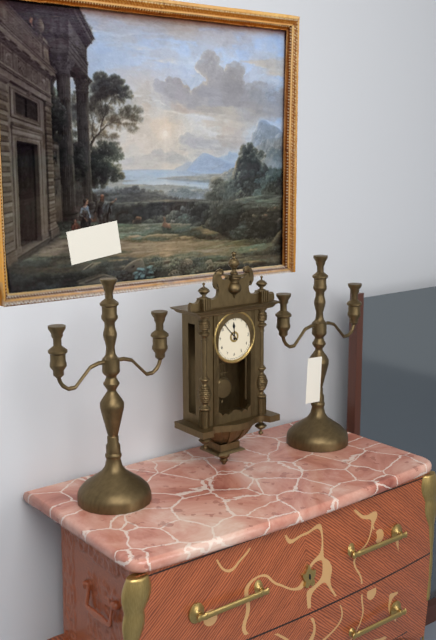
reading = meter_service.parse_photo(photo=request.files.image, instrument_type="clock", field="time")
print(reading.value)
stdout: 11:53
